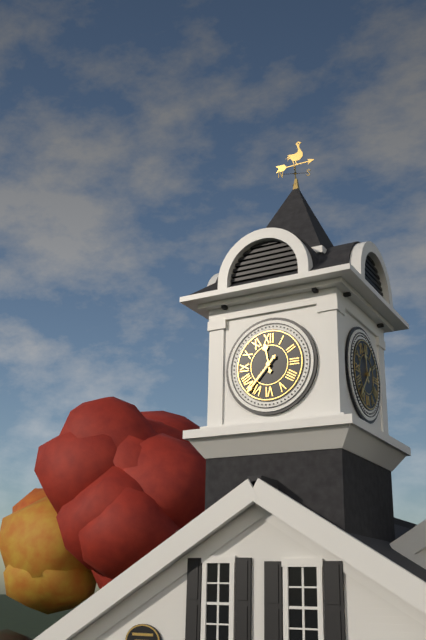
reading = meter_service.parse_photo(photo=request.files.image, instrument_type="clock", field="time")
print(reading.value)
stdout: 11:37
